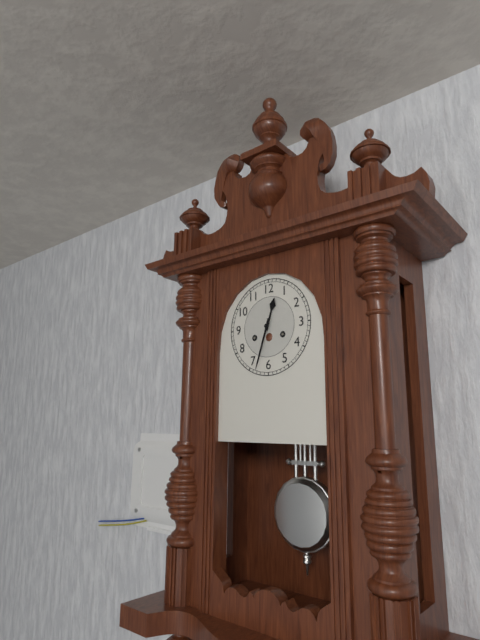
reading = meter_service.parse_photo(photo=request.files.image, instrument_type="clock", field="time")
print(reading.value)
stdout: 12:33
